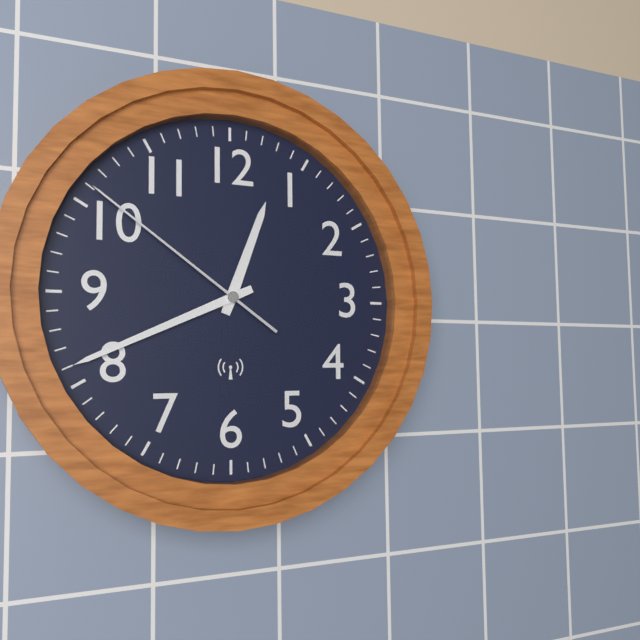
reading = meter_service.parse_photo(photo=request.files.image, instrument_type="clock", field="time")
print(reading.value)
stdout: 12:41:51
